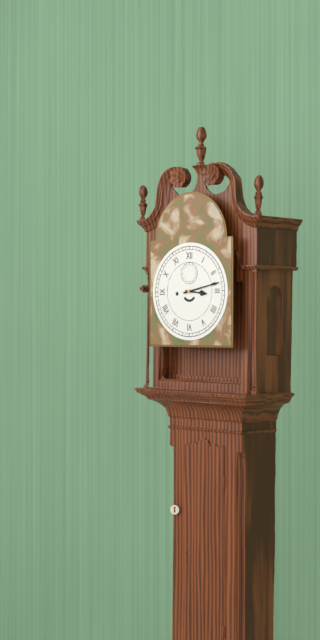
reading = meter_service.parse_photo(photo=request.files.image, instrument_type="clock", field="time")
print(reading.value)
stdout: 3:13
